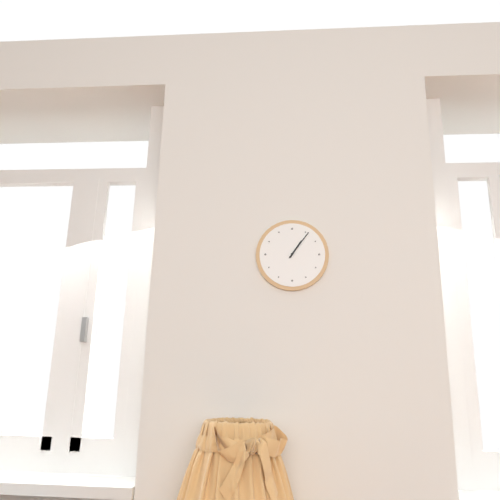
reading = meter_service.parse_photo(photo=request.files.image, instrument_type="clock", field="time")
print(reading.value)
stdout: 1:06
